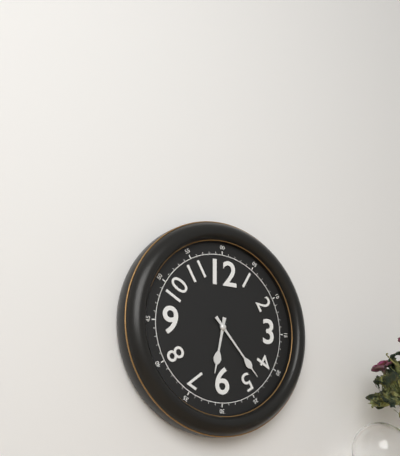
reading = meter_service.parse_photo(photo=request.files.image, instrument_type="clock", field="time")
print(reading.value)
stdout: 6:23
